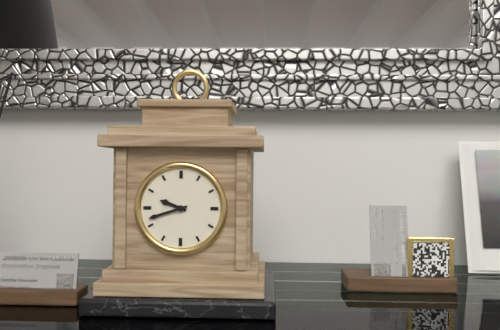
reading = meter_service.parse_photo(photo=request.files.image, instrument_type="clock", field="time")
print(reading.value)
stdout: 9:42
